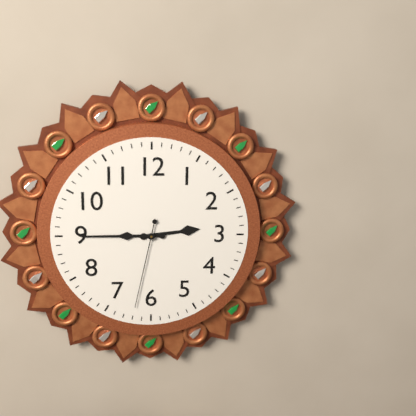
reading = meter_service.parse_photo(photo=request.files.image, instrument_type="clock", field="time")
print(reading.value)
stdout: 2:45:32
